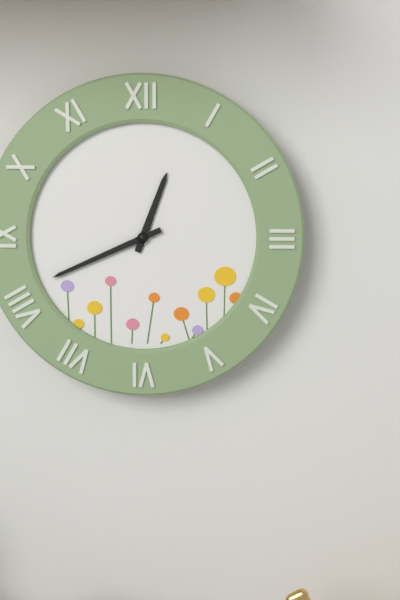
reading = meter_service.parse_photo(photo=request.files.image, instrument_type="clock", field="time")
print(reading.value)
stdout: 12:41
